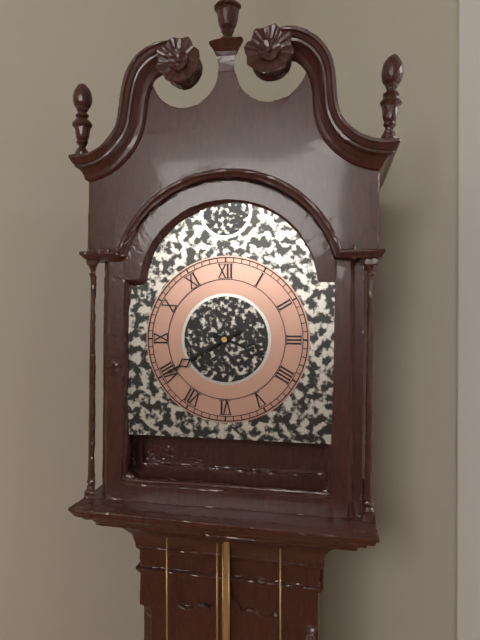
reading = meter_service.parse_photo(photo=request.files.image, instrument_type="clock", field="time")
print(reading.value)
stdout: 3:40
